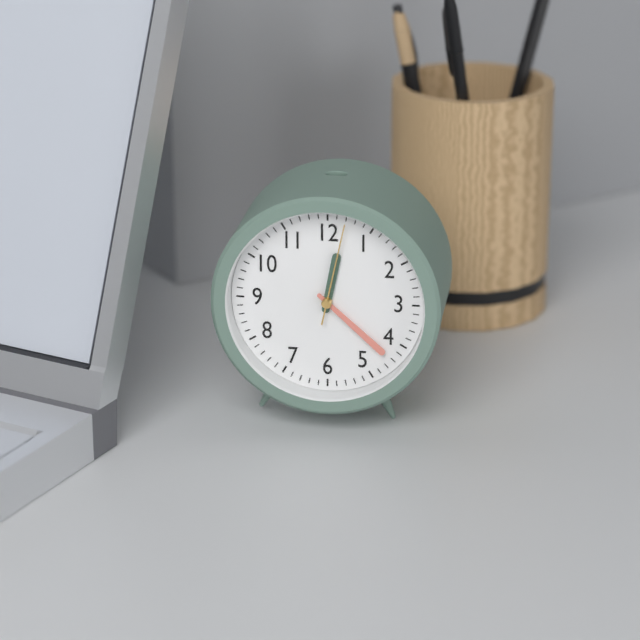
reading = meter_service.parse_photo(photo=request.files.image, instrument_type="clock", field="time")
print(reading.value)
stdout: 12:22:02
